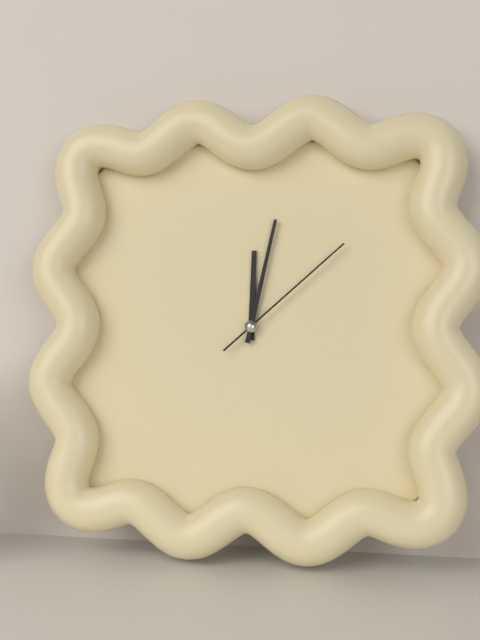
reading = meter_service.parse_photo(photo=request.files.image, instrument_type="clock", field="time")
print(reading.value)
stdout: 12:02:08
